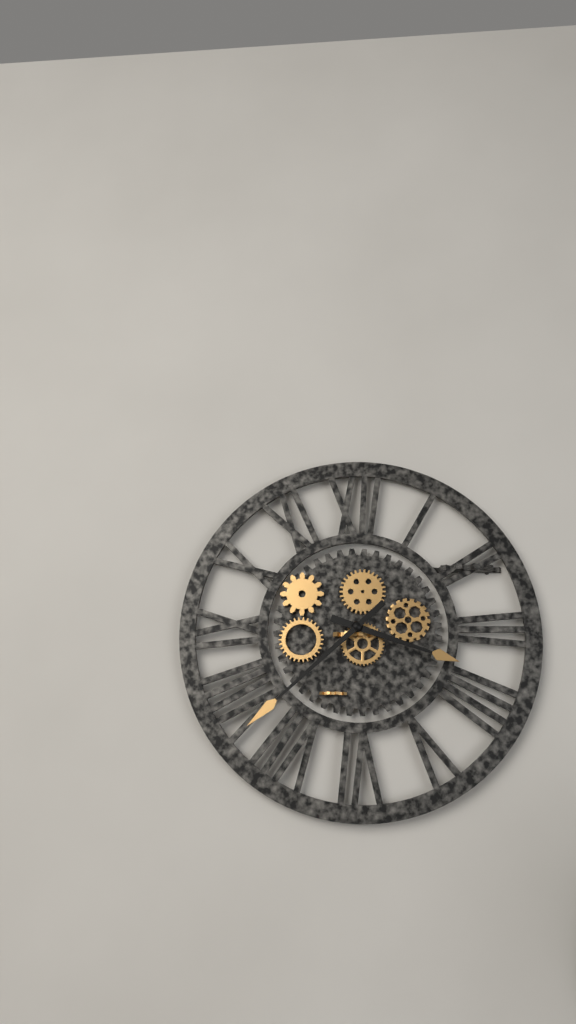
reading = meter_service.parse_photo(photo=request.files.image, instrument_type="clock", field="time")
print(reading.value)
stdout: 3:38
